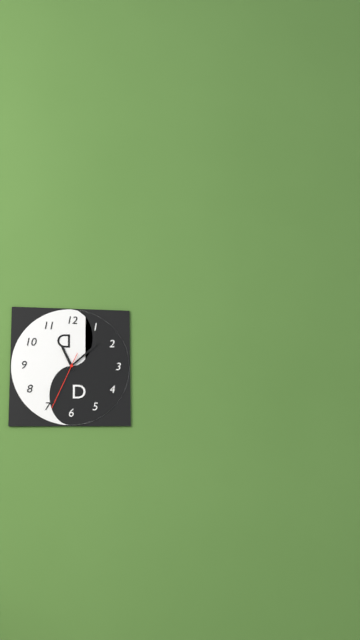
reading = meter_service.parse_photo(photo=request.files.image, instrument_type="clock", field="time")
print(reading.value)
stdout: 11:08:34
